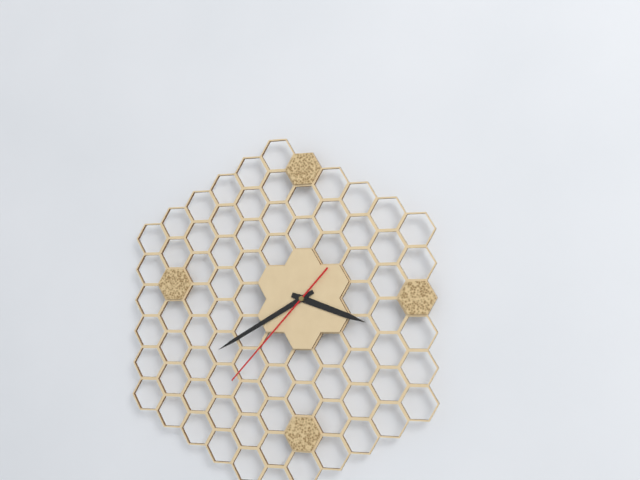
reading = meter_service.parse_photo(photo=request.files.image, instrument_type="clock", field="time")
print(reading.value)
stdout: 3:40:37
